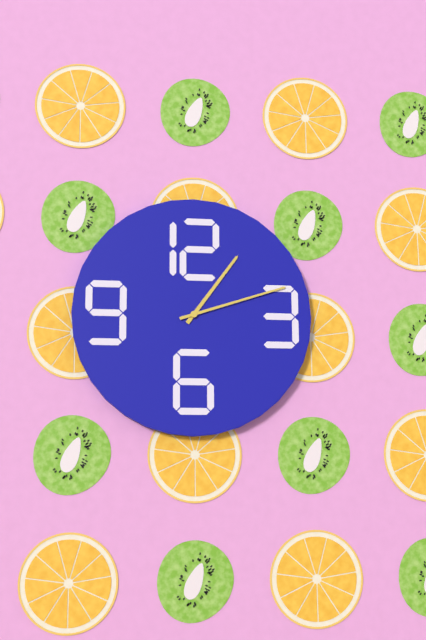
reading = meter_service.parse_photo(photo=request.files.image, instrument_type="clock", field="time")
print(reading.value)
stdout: 1:12
